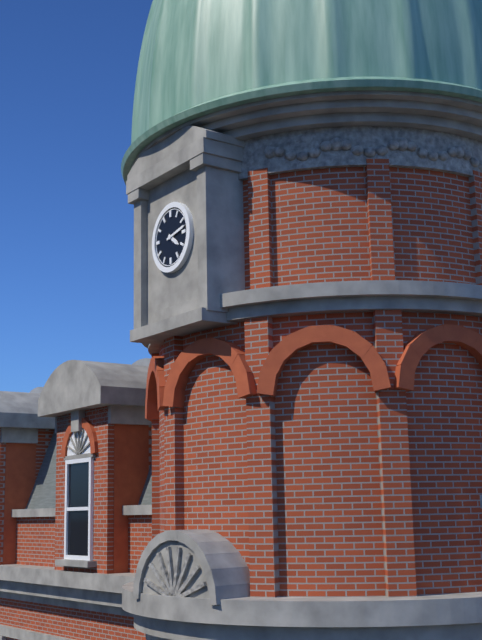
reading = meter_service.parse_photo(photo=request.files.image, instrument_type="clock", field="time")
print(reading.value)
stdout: 4:13
